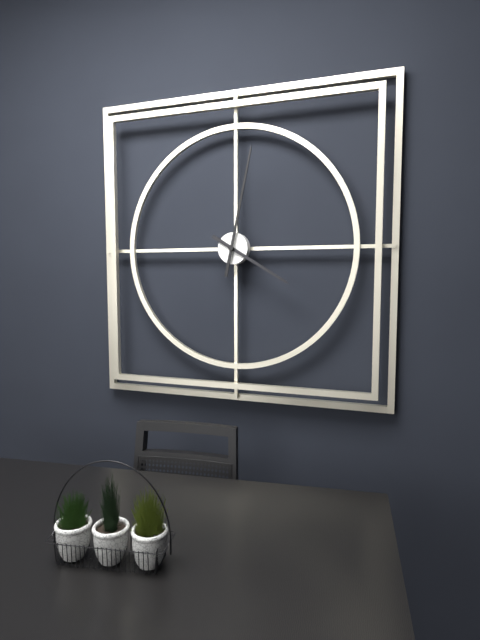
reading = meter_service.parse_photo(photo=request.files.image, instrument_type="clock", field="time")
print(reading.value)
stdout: 4:02
